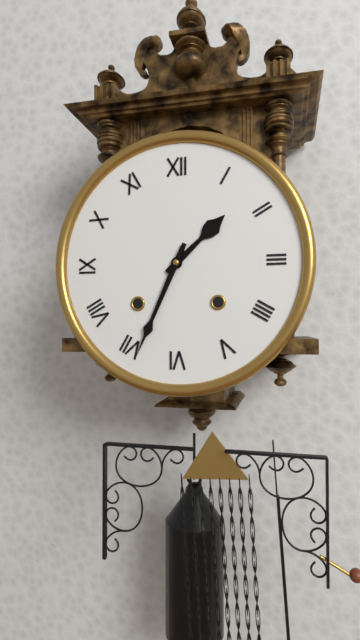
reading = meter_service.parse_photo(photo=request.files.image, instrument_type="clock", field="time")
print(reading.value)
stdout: 1:34
